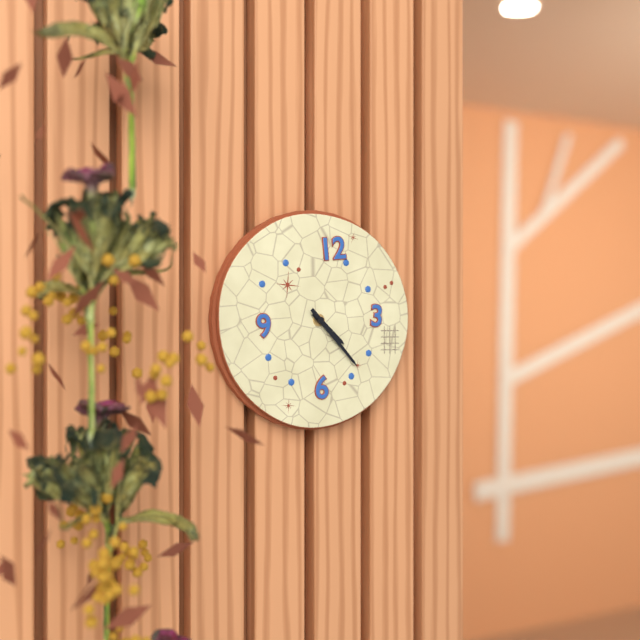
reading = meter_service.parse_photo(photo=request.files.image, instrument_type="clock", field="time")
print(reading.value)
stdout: 4:23
